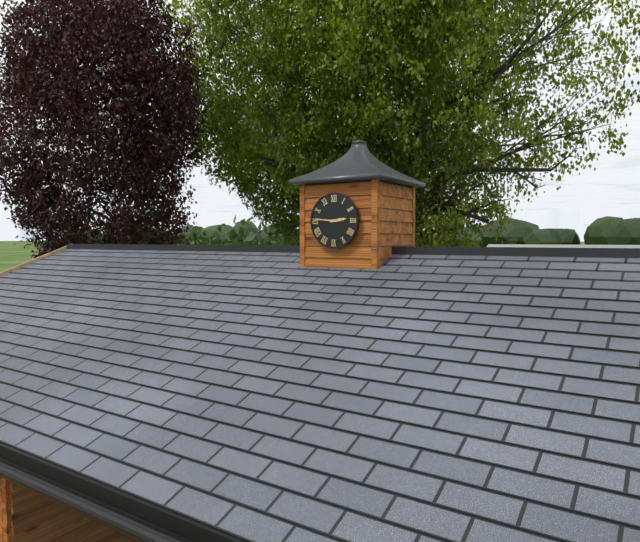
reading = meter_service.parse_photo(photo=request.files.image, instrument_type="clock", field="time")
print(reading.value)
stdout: 2:46
